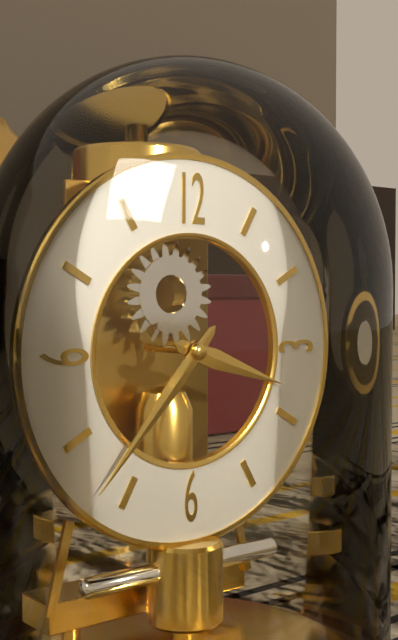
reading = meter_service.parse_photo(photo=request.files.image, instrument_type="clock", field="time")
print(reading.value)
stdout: 3:37
